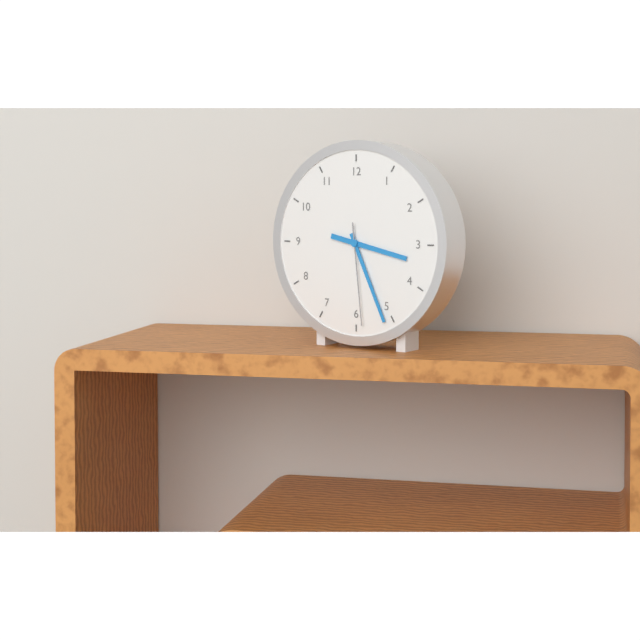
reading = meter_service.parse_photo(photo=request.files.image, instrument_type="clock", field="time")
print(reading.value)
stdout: 3:26:29
